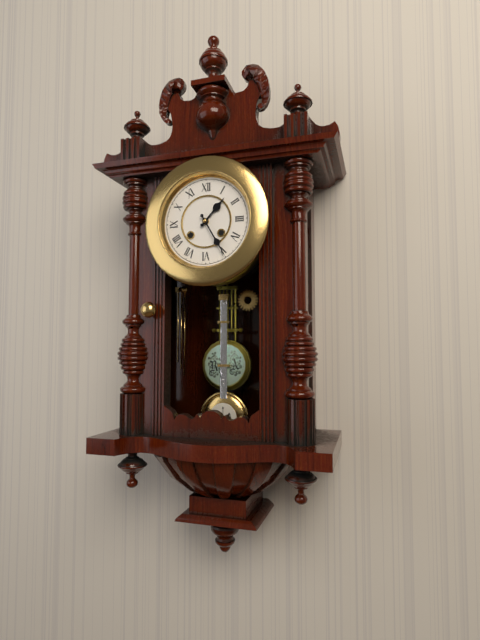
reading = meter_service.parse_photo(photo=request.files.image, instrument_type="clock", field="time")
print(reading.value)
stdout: 1:25
